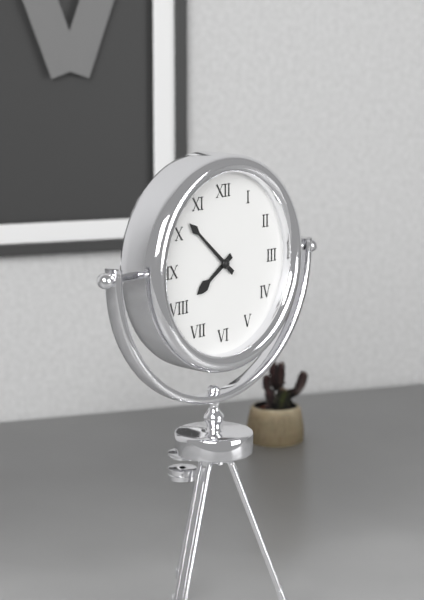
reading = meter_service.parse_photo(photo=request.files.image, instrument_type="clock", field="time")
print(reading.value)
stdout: 7:52
